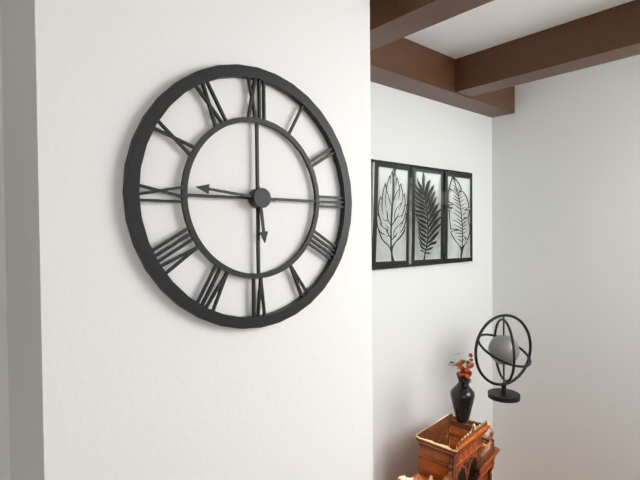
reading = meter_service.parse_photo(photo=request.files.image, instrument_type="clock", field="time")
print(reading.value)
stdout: 5:46
